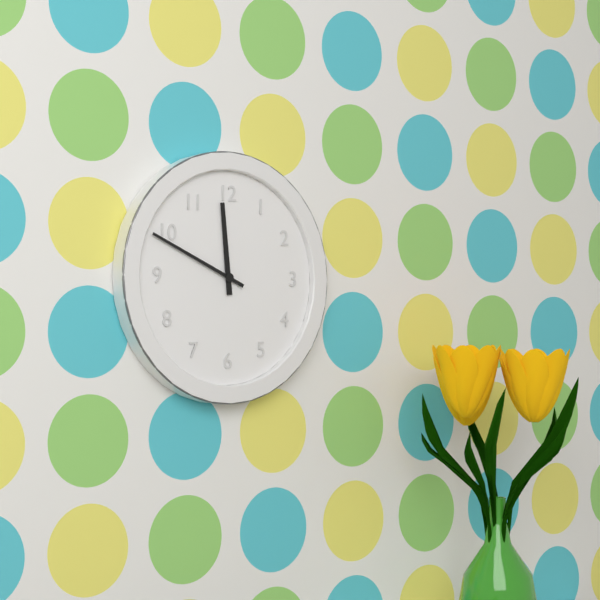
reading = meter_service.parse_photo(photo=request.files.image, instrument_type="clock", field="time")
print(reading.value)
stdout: 11:49
